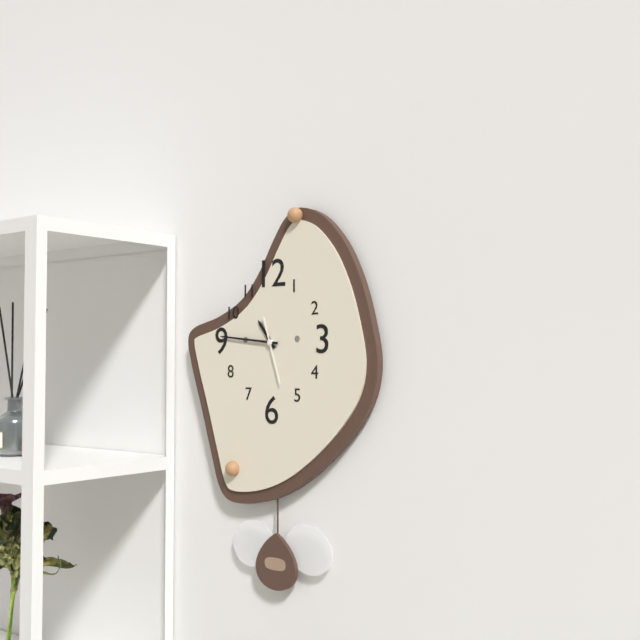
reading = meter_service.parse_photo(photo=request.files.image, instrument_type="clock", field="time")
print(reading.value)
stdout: 10:46:27
